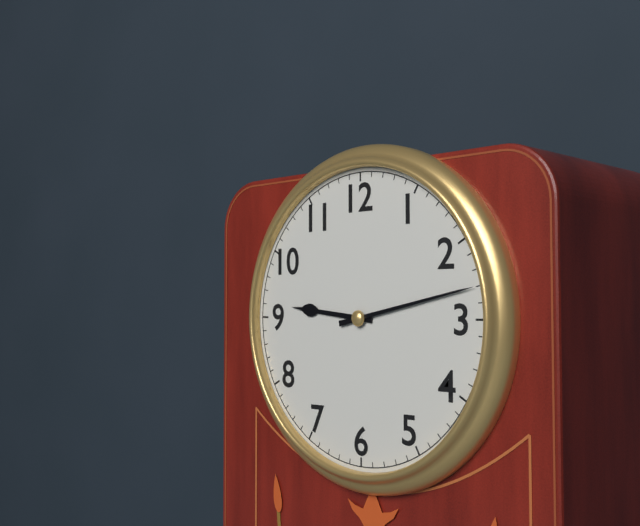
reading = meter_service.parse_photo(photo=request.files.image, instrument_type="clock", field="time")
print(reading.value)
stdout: 9:13
